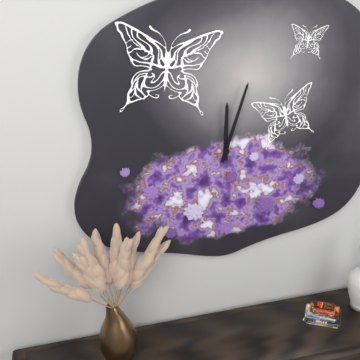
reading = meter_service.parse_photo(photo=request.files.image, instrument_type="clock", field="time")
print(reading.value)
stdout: 12:03
